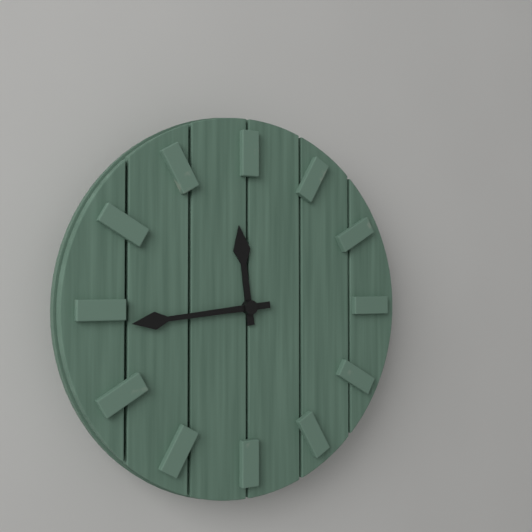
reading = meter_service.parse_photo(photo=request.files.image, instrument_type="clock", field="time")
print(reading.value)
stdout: 11:44
